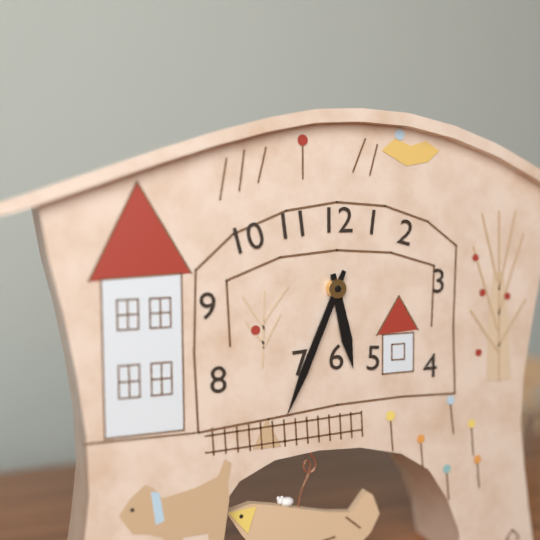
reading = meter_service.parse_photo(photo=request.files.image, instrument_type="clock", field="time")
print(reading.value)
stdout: 5:34
